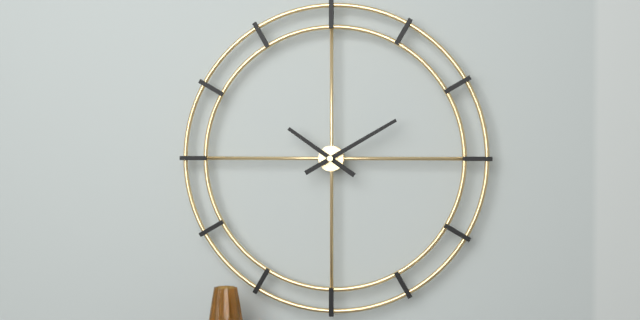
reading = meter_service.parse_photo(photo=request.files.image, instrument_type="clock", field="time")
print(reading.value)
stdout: 10:10
